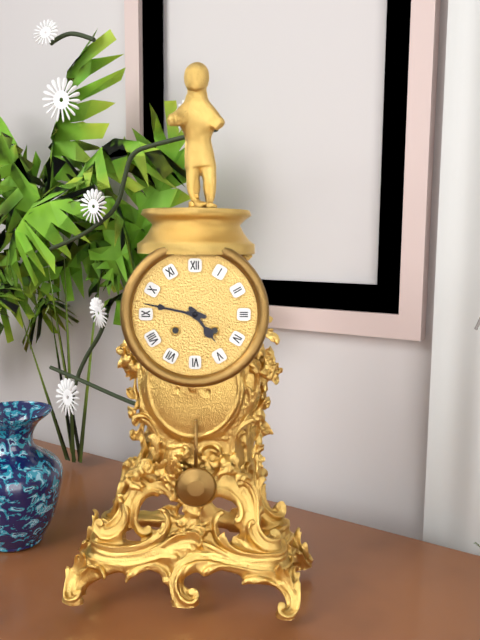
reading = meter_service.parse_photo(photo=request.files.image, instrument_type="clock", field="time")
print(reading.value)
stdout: 4:47
